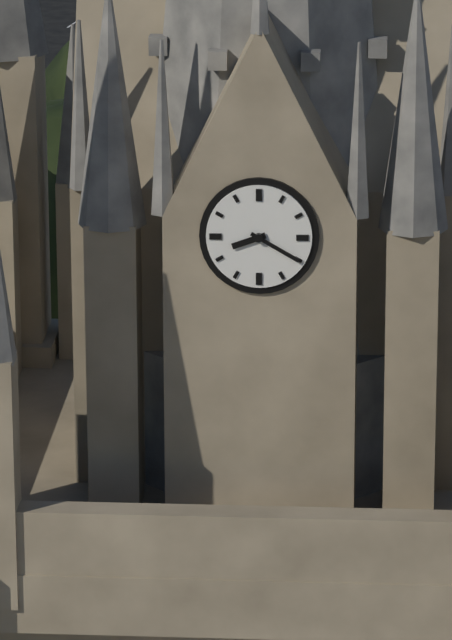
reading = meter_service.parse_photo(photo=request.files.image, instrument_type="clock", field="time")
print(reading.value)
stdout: 8:20
